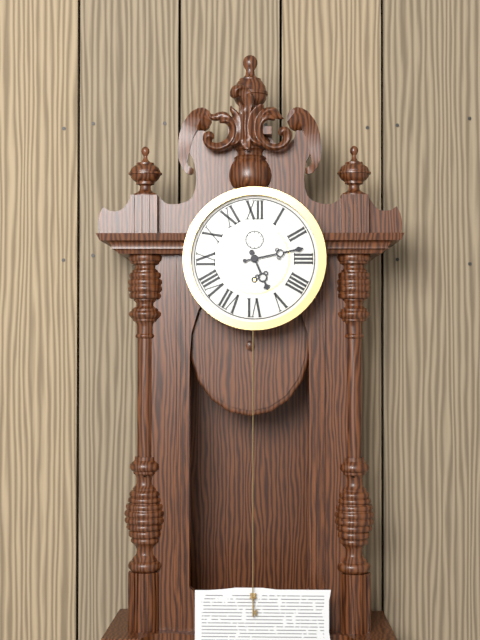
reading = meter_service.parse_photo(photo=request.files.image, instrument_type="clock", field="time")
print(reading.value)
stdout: 5:13
